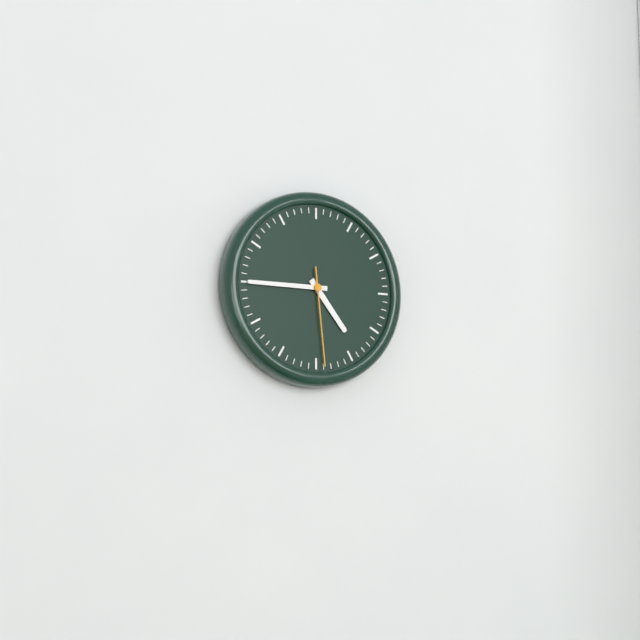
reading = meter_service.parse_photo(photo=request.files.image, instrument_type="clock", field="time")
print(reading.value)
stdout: 4:45:29
